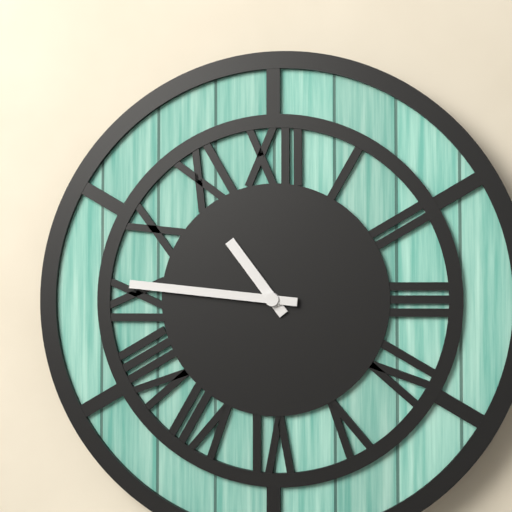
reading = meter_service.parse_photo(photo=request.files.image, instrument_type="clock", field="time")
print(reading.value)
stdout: 10:46
